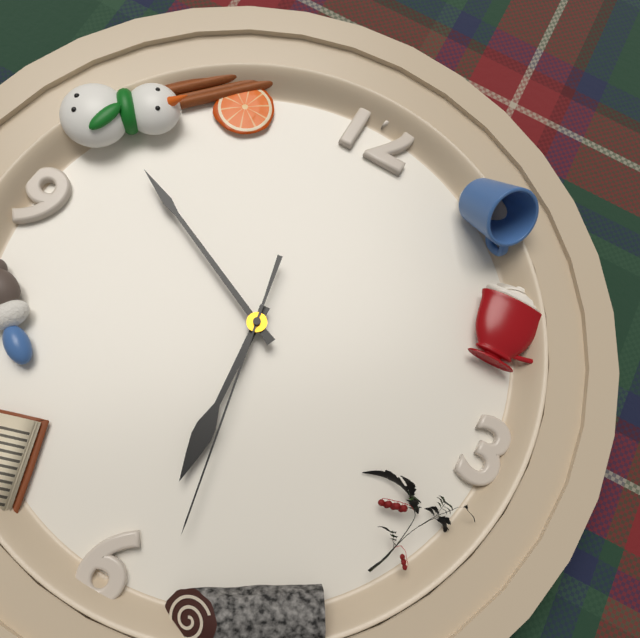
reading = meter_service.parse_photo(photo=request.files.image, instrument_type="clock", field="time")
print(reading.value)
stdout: 5:49:28
